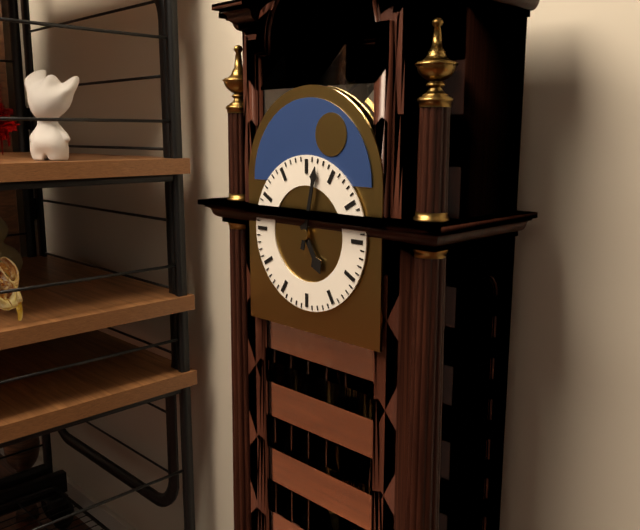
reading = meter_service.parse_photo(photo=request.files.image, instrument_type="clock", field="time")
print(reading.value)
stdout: 5:02
